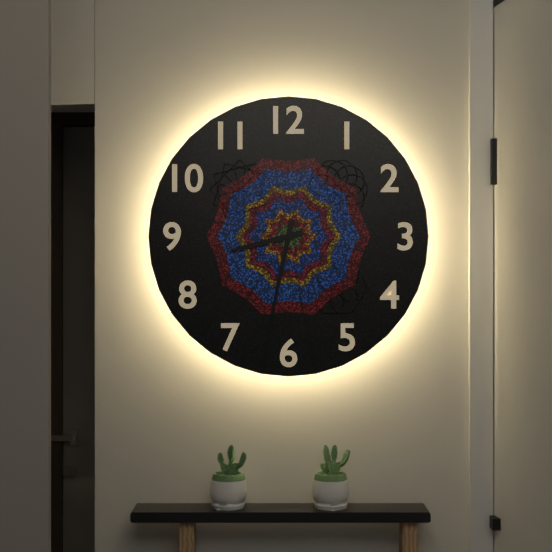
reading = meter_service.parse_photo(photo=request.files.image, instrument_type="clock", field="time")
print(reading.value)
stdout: 8:32
